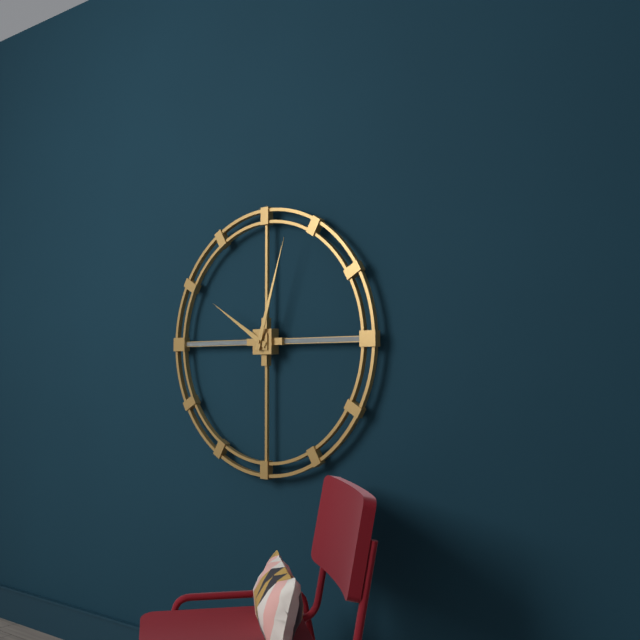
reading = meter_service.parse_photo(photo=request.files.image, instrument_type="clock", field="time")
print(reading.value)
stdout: 10:03
